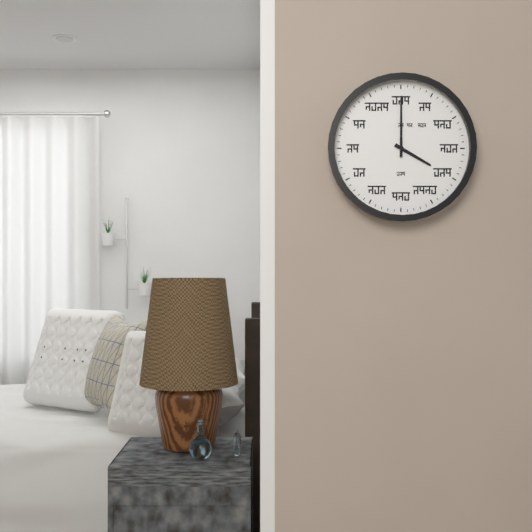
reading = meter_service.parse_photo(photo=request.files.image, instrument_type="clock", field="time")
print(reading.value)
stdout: 4:00
